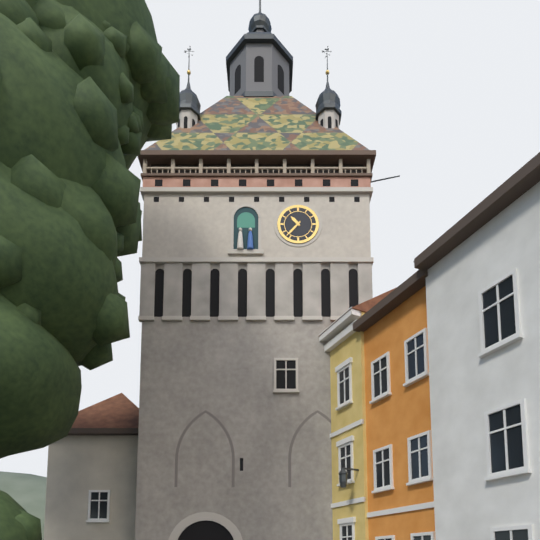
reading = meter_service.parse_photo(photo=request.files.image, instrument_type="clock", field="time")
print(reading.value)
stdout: 10:37
